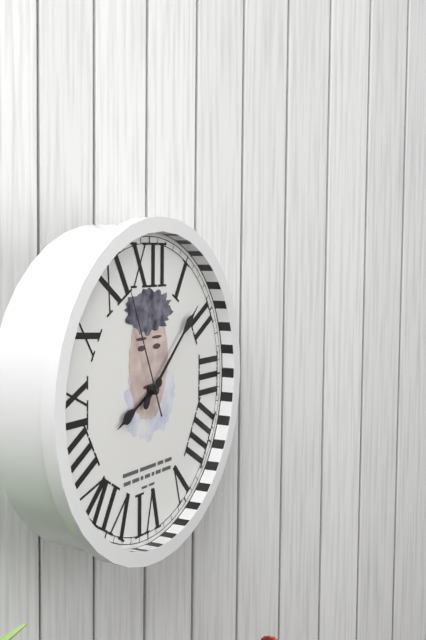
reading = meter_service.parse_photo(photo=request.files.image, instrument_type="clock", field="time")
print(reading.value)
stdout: 8:08:56
